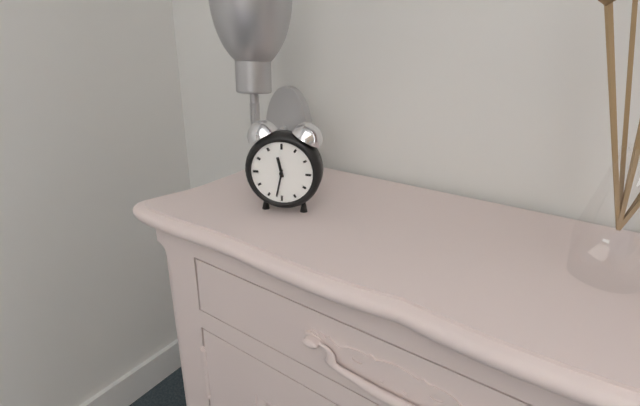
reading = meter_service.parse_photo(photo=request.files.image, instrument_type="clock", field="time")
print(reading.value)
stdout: 11:32
